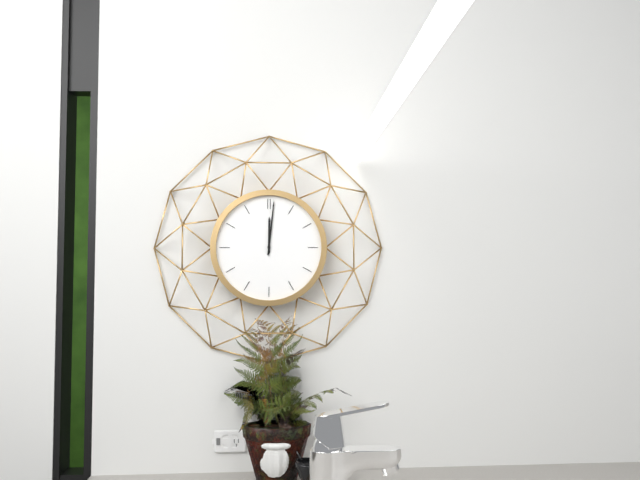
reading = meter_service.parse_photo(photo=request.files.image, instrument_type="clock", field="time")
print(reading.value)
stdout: 12:01
